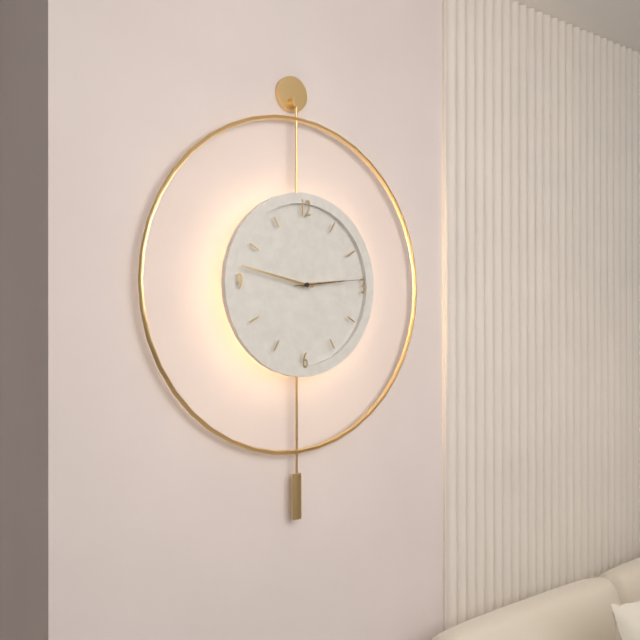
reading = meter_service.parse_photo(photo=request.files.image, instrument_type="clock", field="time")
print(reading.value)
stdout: 2:47:14
